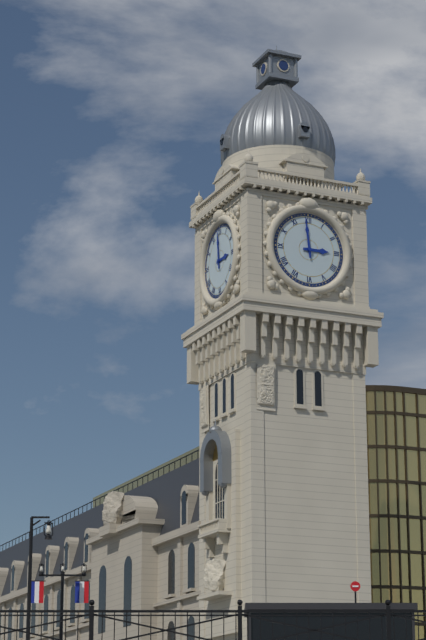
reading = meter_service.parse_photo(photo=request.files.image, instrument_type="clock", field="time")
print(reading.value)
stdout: 2:59
